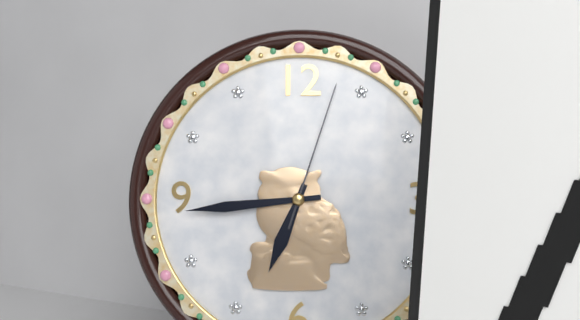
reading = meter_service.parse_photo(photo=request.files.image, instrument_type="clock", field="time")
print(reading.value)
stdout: 6:44:03
